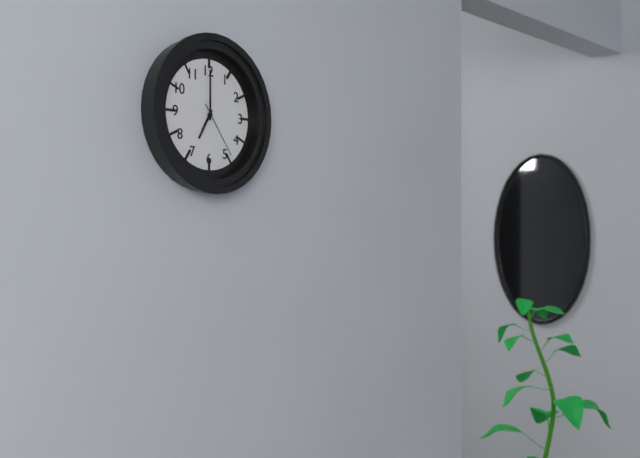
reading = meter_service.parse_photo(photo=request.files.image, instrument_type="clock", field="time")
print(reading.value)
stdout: 7:00:24
